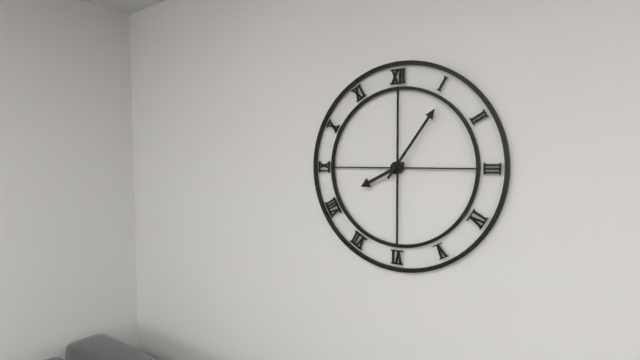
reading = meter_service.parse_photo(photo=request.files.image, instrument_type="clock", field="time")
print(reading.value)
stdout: 8:06
